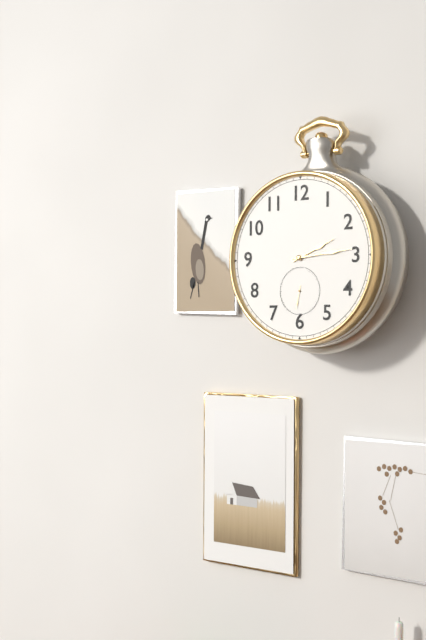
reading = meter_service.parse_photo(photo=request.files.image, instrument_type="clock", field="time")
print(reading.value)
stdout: 2:14
